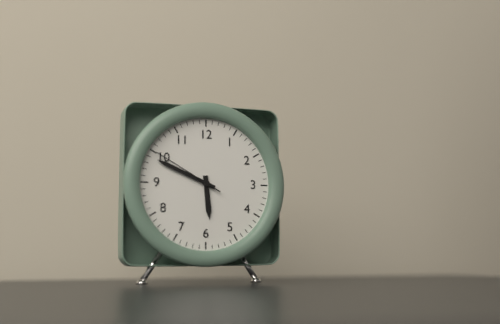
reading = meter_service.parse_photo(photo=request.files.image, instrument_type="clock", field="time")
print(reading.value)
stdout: 5:49:50
